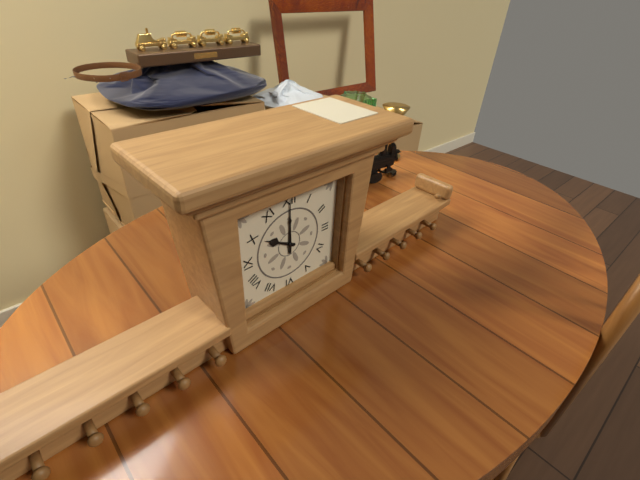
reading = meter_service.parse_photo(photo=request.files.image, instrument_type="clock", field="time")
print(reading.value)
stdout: 10:00
